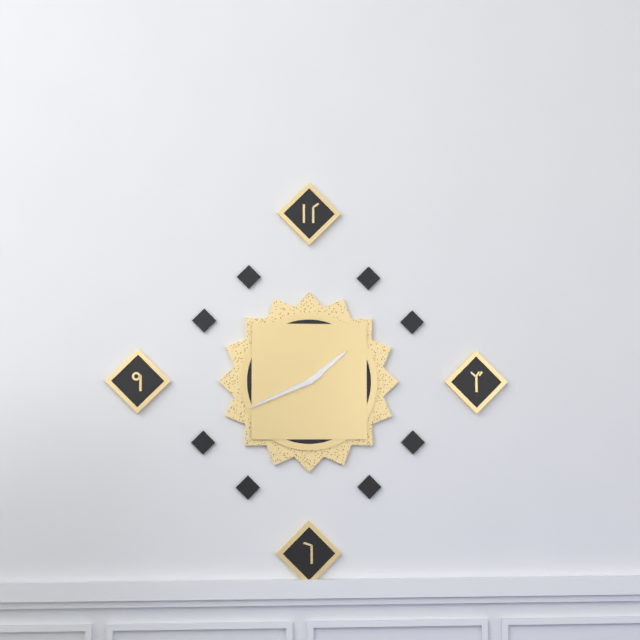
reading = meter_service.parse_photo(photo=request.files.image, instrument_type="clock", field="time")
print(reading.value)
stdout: 1:41
